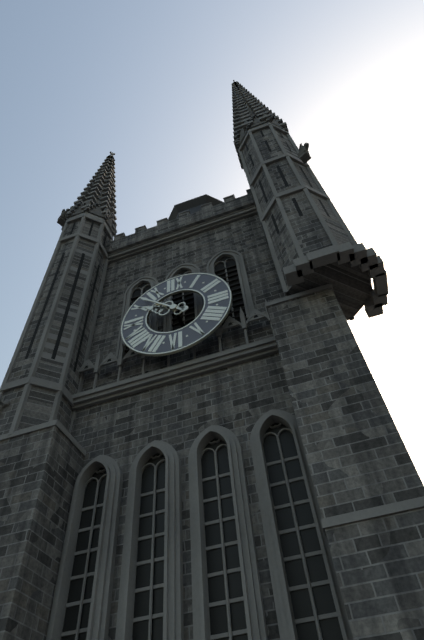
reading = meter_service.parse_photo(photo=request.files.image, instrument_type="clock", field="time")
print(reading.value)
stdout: 9:52
